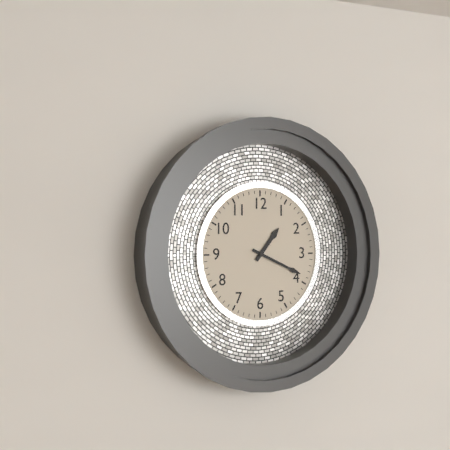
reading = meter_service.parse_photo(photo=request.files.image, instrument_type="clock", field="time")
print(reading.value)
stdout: 1:19
